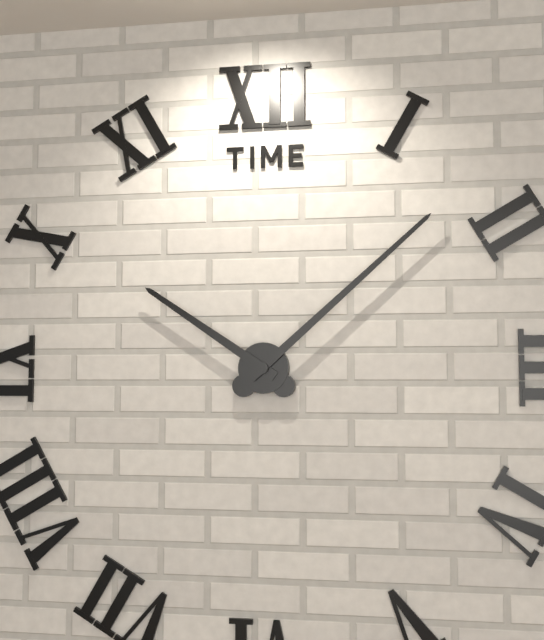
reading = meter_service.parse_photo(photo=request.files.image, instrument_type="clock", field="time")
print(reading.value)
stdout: 10:08
